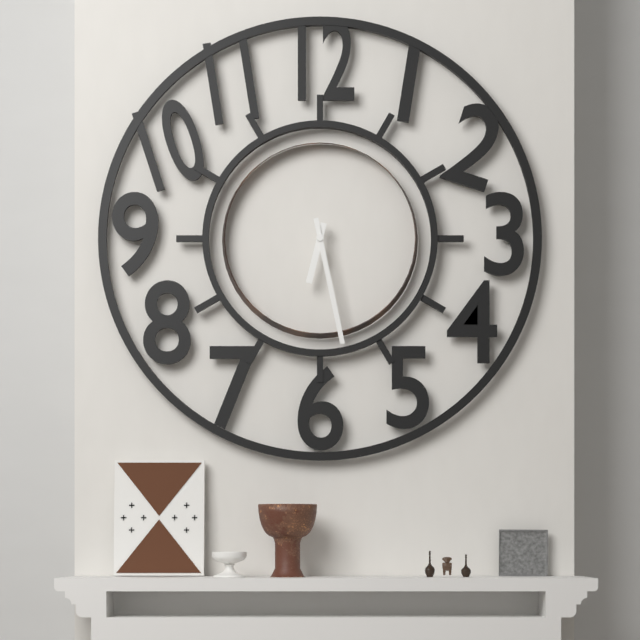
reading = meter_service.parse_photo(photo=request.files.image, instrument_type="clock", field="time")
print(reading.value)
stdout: 6:28
